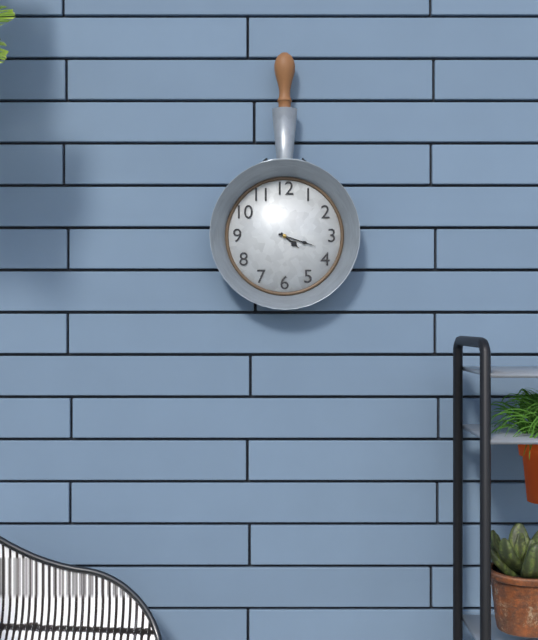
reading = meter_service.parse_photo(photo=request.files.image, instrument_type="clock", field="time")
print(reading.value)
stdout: 4:18
